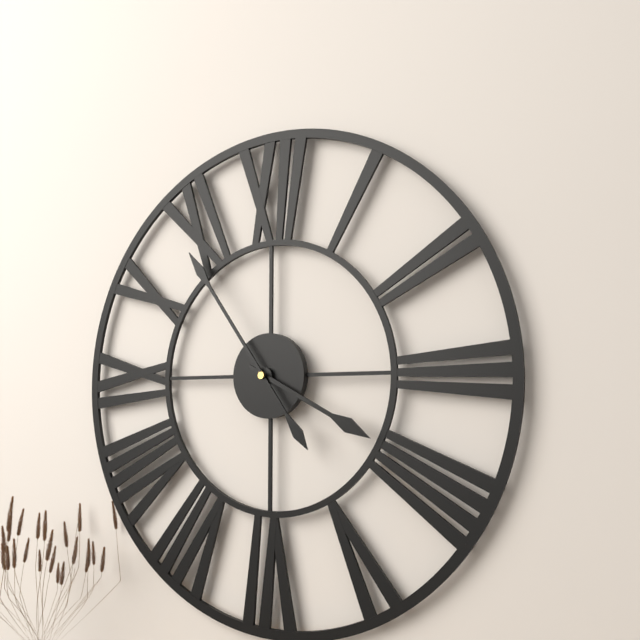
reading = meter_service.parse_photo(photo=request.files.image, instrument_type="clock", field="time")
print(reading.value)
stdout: 3:54
